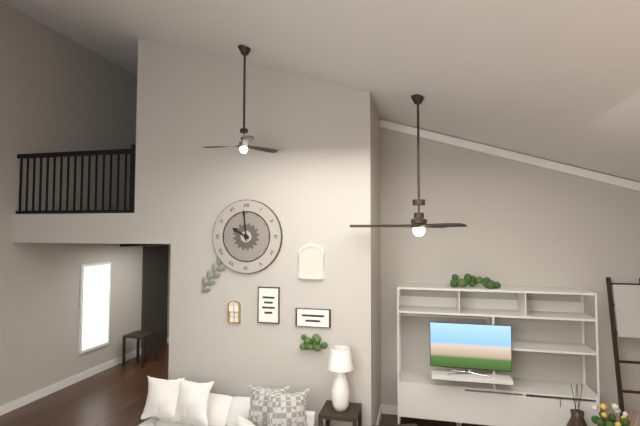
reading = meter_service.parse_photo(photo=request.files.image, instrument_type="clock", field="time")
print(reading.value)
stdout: 9:59
